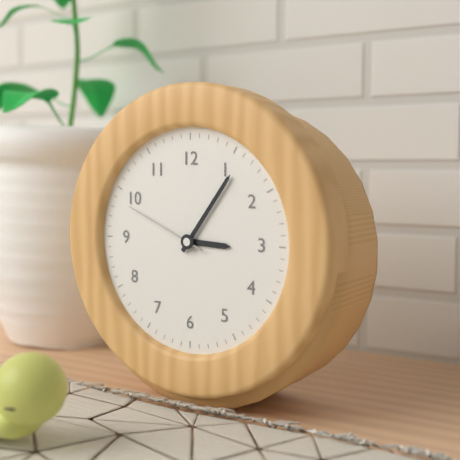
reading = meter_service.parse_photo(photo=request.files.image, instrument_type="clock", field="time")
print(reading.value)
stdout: 3:06:49
